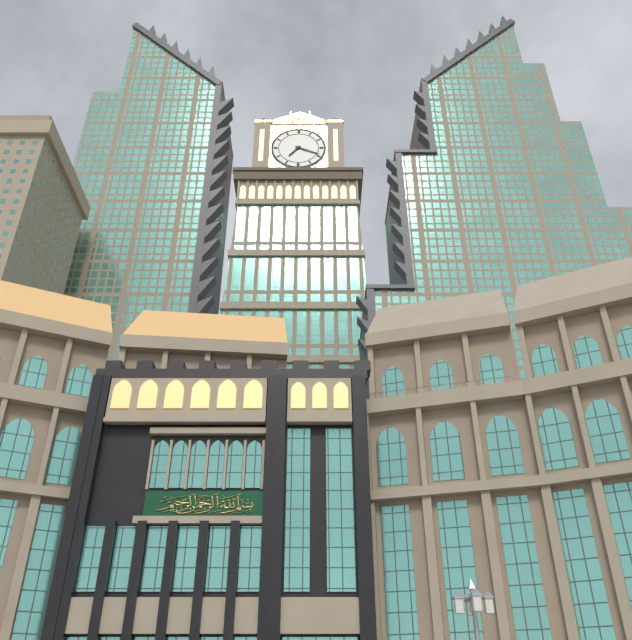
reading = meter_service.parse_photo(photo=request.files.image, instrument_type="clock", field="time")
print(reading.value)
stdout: 7:19
